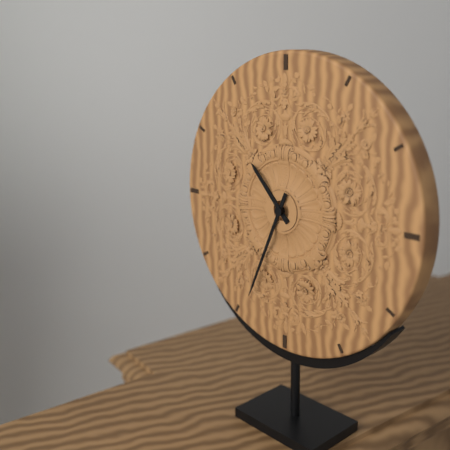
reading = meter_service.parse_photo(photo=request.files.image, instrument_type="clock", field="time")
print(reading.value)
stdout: 10:34
